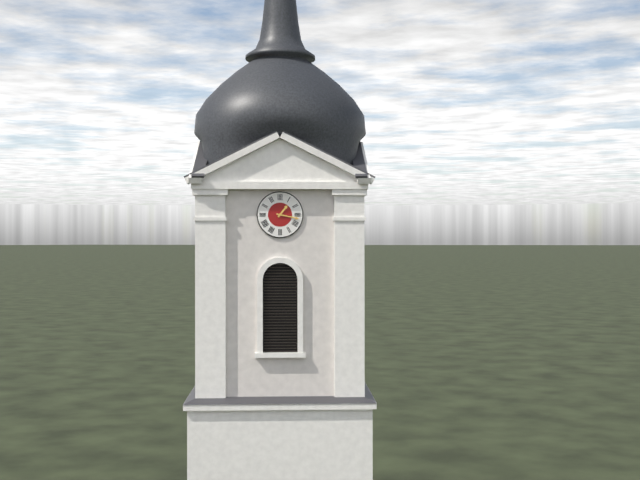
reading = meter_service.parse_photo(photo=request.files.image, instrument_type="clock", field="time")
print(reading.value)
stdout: 1:17
